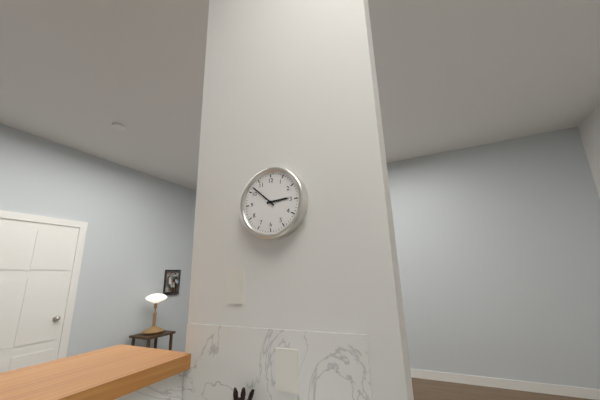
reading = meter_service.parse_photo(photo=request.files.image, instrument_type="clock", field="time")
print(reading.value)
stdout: 2:52
